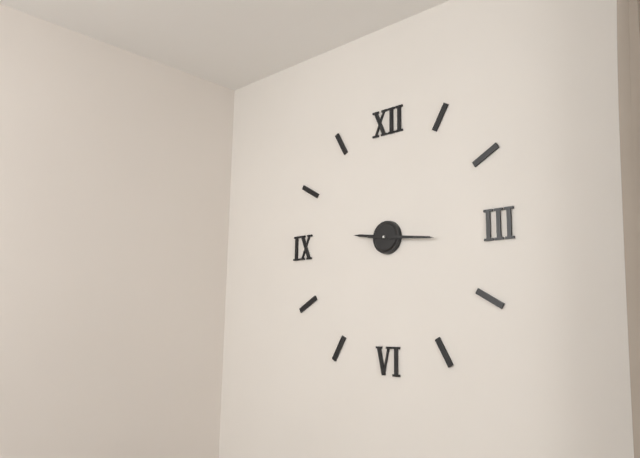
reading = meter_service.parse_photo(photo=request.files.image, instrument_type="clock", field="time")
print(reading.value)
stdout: 9:16
